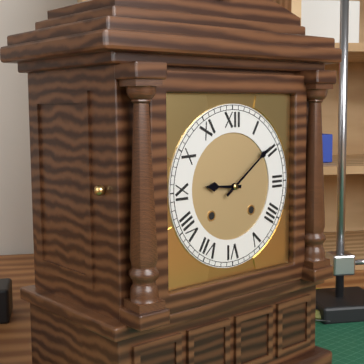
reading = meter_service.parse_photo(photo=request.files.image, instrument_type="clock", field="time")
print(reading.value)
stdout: 9:09
